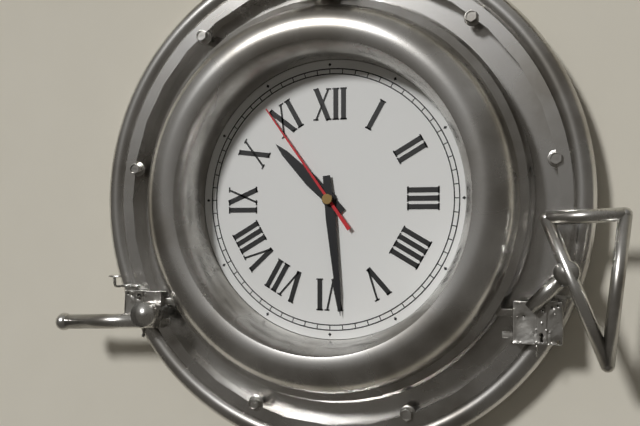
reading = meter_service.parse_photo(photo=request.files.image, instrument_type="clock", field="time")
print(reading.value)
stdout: 10:29:54
